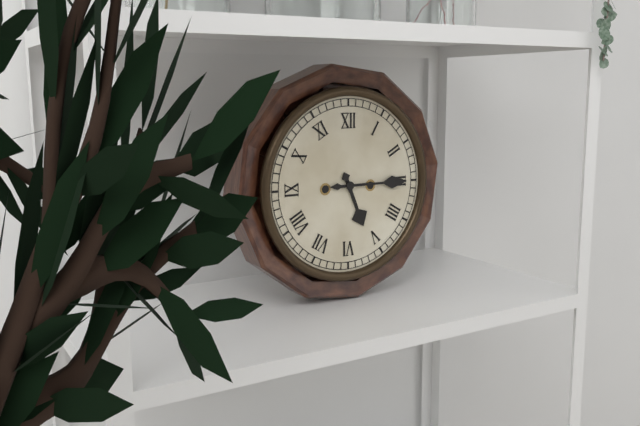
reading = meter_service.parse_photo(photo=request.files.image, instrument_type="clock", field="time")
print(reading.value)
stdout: 5:15
